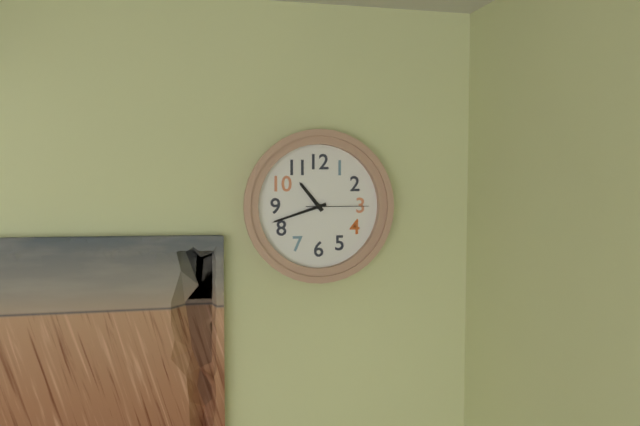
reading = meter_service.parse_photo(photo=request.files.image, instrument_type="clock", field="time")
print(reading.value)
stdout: 10:42:15
